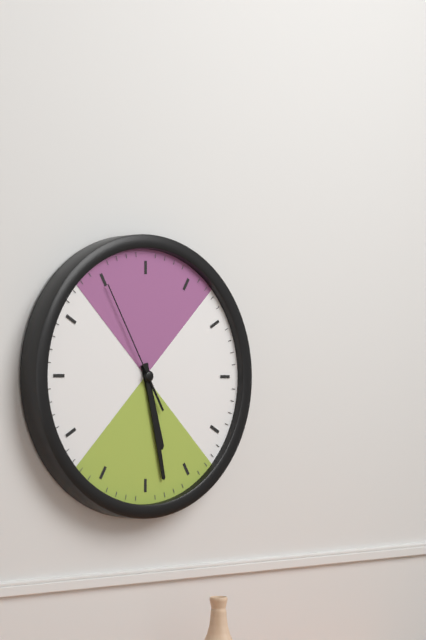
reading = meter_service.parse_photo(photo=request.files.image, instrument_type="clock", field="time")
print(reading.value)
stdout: 5:28:55
